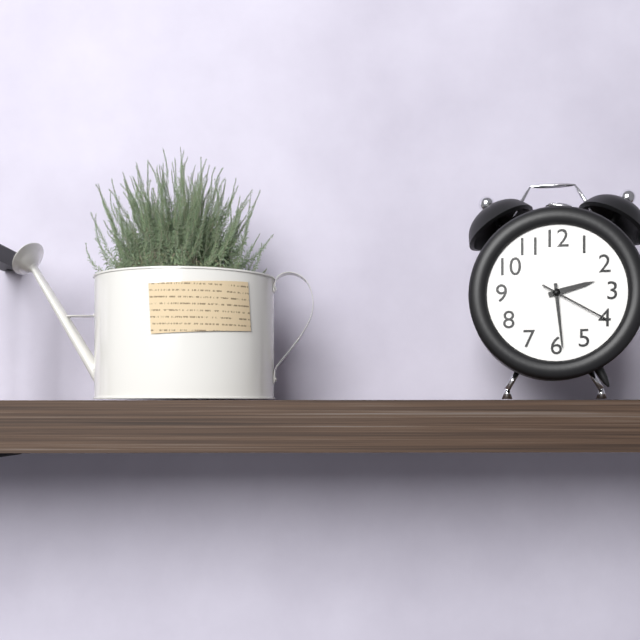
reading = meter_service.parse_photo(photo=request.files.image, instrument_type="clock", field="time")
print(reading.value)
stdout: 2:29:20
